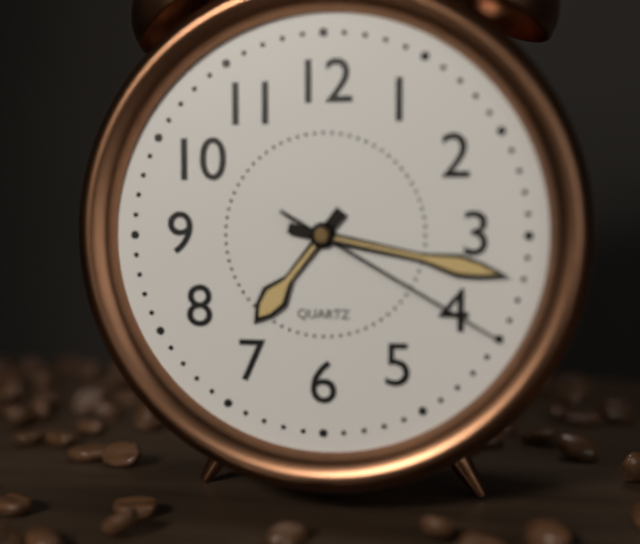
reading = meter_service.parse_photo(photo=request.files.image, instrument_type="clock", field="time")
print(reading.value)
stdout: 7:17:20
